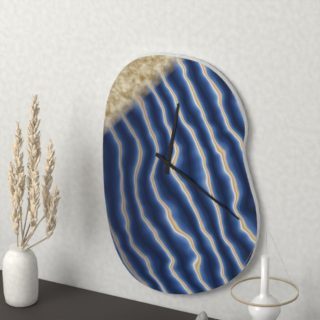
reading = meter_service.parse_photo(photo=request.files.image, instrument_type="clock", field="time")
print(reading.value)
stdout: 12:20
